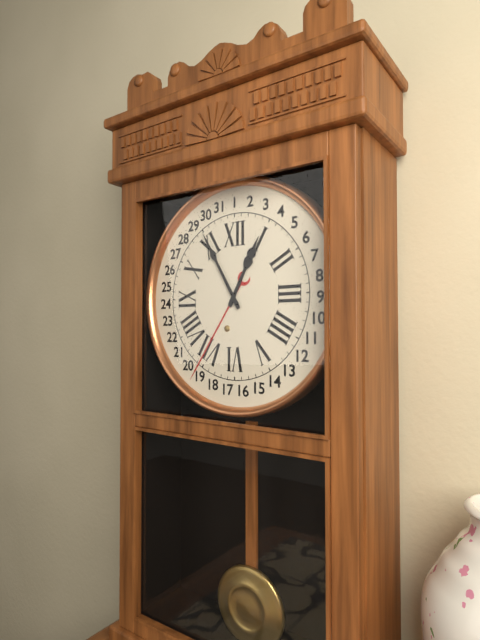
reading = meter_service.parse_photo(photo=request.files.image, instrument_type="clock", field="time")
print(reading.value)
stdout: 12:55
